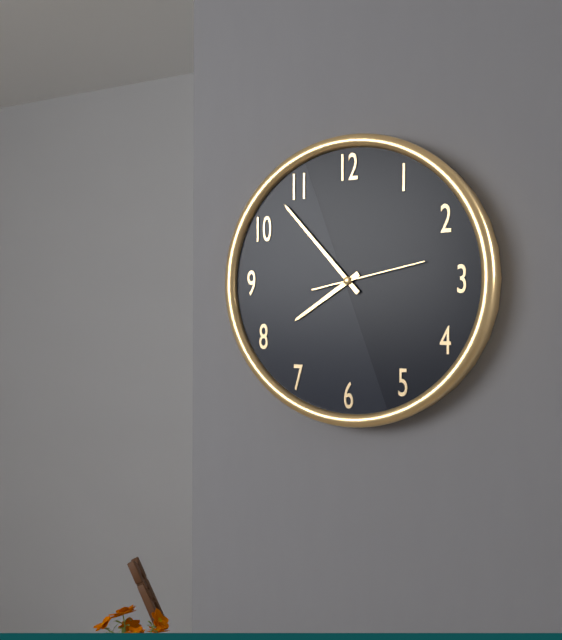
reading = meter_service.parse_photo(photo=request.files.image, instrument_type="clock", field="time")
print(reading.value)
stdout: 7:53:13
